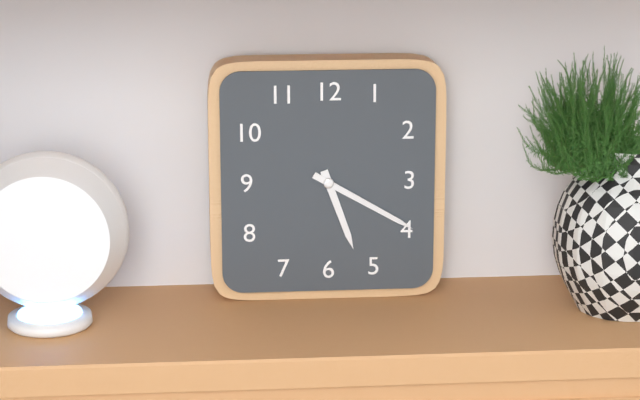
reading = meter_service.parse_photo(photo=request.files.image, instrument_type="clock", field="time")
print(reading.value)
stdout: 5:20
